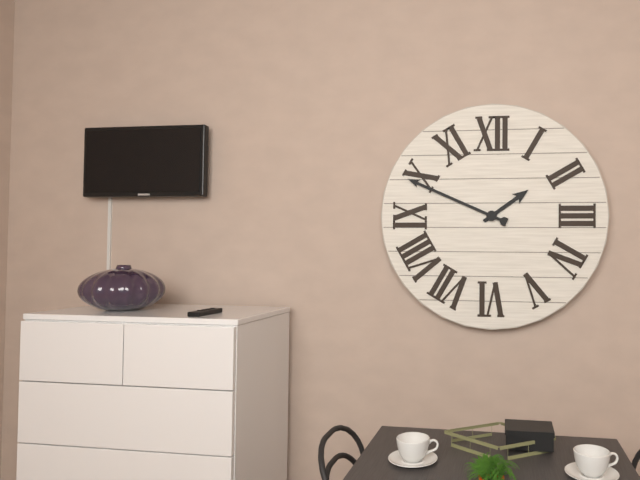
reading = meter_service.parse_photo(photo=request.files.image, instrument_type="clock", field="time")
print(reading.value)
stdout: 1:49
